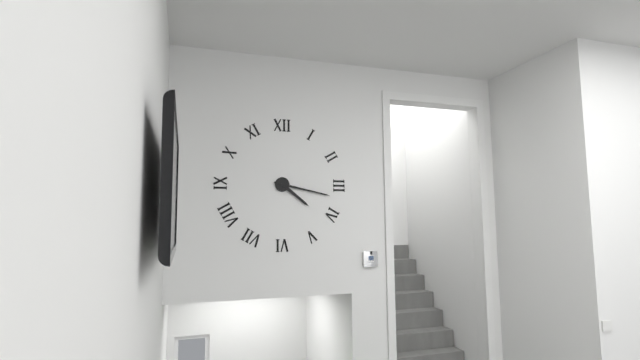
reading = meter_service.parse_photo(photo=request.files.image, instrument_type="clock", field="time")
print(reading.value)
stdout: 4:17
